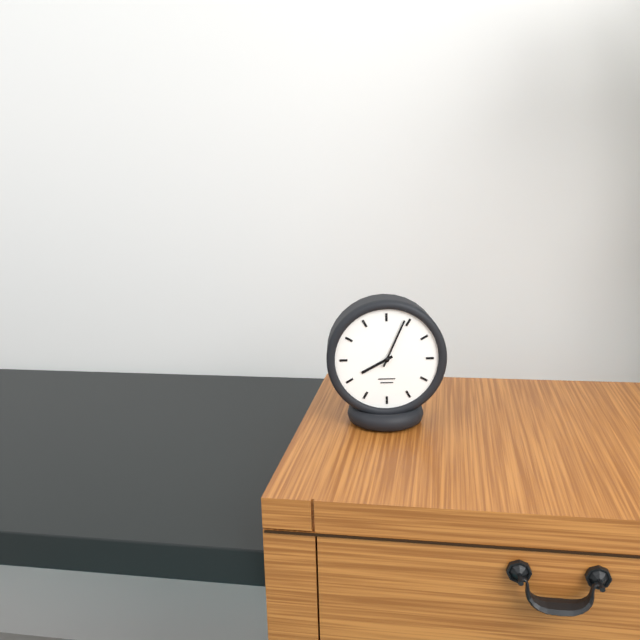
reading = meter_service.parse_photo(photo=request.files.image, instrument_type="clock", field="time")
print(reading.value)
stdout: 8:04
